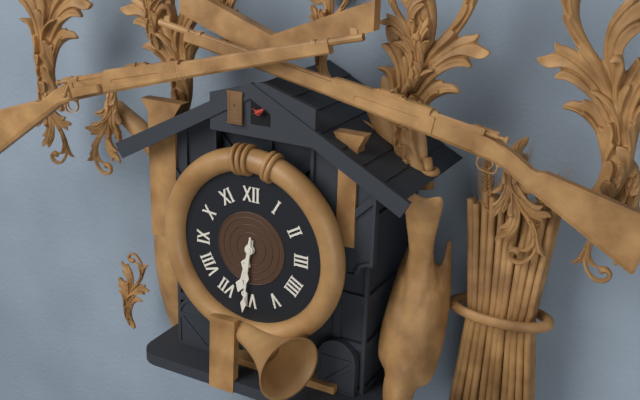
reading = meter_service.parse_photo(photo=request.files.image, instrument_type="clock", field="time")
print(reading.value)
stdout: 6:31
